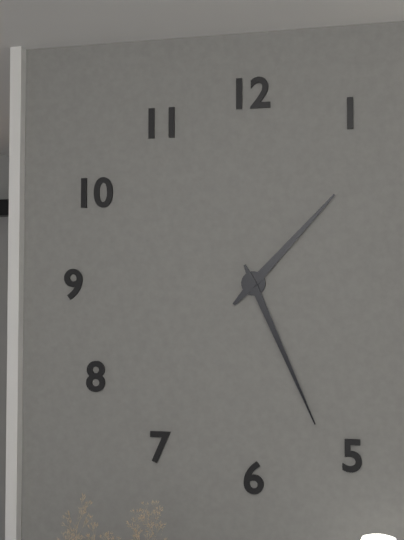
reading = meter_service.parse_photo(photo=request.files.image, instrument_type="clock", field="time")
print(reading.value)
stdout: 1:26
